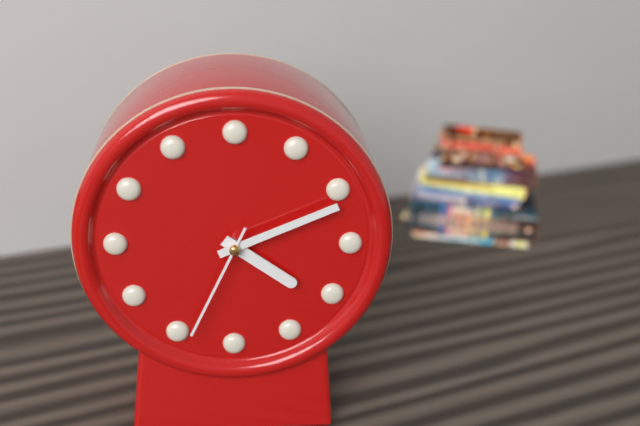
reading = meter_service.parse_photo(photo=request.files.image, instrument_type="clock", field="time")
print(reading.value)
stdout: 4:11:34
